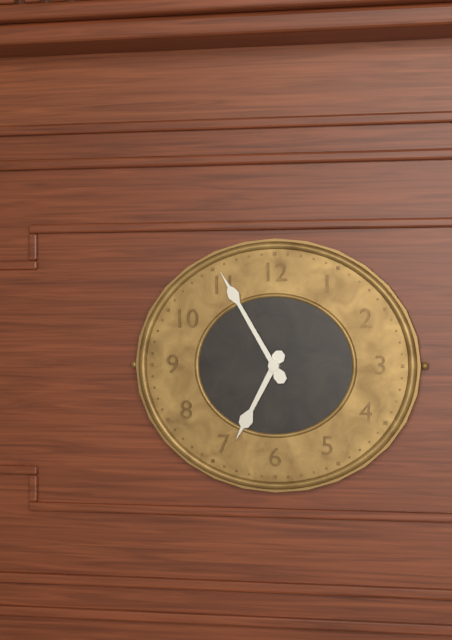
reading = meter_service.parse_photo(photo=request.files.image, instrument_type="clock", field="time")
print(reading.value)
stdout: 6:55
